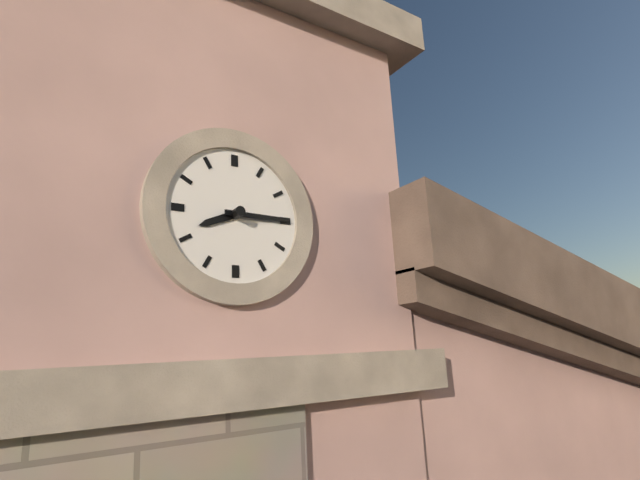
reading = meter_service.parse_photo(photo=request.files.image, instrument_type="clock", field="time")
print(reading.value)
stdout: 8:15
